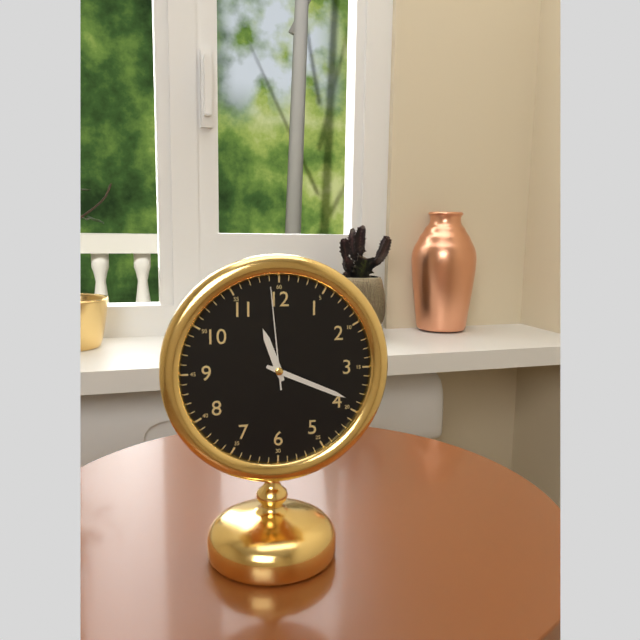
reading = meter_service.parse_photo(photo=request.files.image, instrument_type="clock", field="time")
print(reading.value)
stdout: 11:19:59
